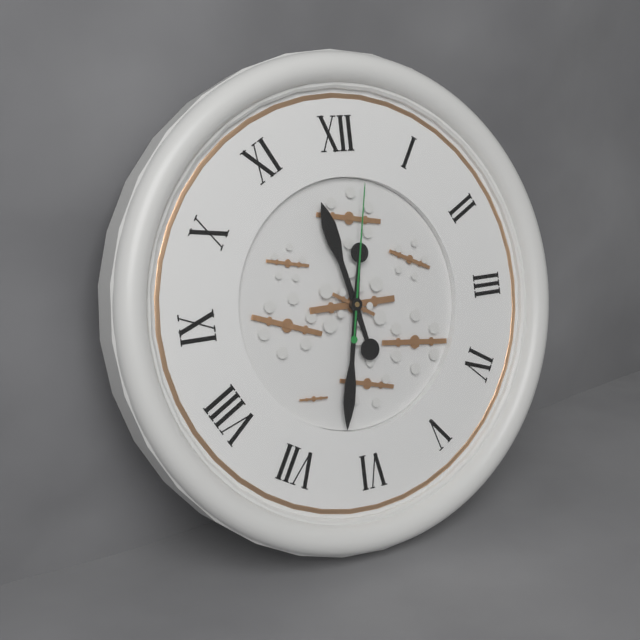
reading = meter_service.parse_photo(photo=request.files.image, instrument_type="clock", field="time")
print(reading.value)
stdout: 11:32:02
